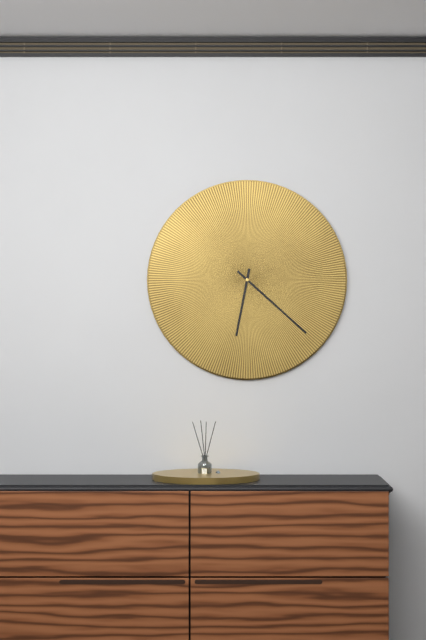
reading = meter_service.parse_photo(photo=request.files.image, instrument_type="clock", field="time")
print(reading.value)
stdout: 6:22
